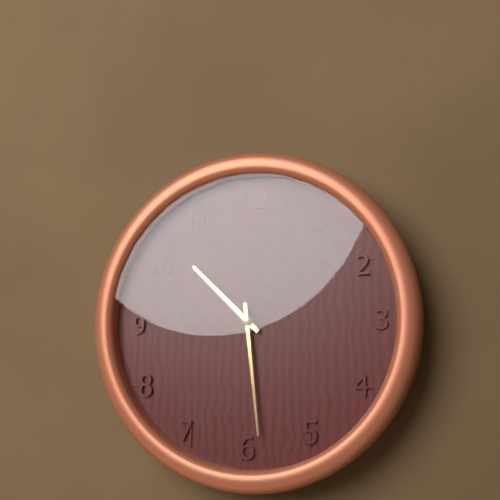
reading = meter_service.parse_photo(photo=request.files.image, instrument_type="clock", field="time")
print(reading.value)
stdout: 10:29
